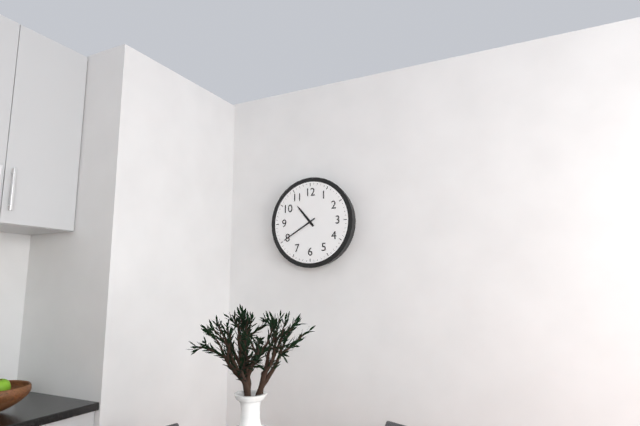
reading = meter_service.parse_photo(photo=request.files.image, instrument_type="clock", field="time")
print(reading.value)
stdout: 10:40
